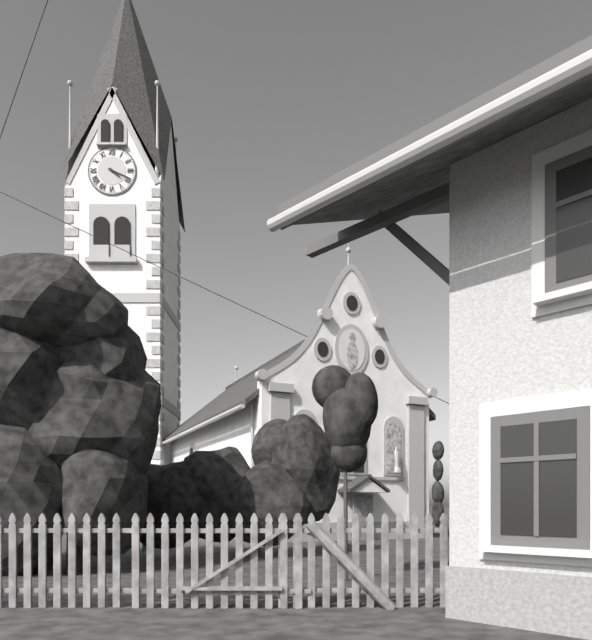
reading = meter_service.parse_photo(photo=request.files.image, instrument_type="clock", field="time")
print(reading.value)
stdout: 4:19
